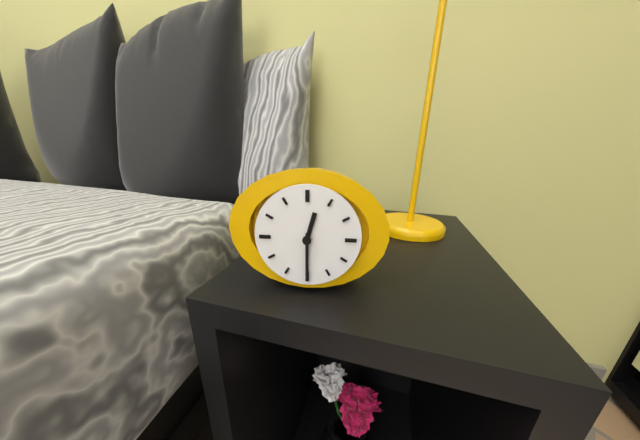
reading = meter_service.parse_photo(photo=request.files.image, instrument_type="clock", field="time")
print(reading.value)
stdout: 12:30
